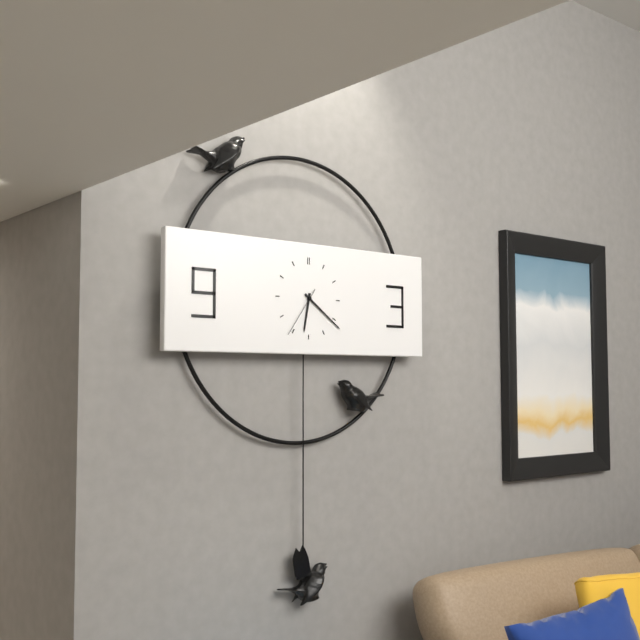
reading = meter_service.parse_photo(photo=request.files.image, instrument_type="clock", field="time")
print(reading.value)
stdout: 6:21:36
